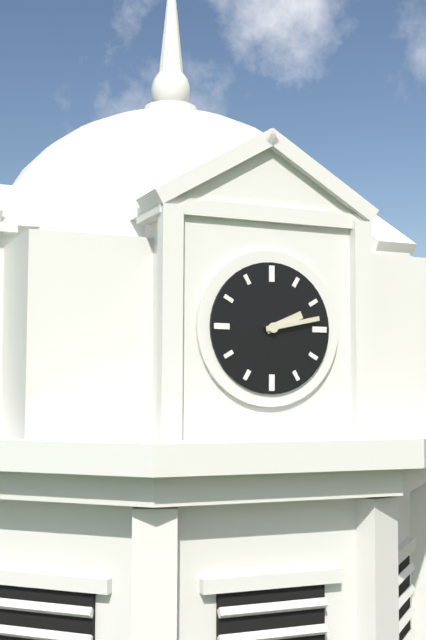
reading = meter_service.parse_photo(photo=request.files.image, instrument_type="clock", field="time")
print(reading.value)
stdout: 2:13
